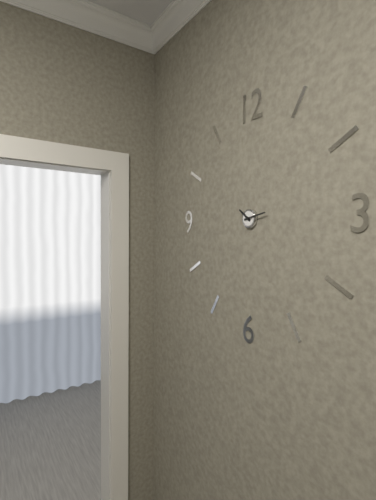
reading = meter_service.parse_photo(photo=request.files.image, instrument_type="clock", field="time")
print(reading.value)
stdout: 10:13
